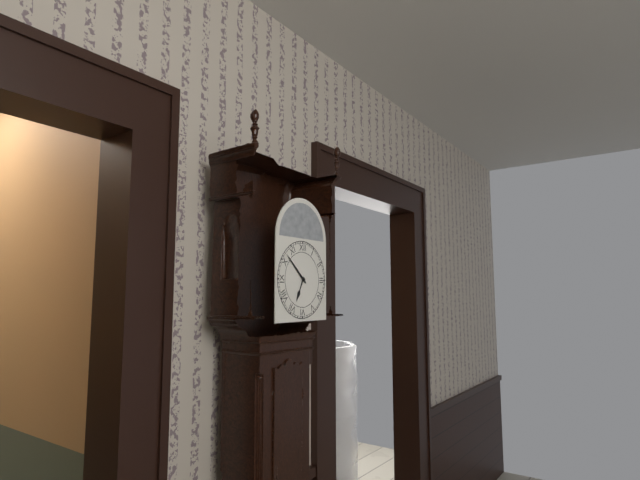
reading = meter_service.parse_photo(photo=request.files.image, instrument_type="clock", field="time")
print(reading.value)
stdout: 6:52
